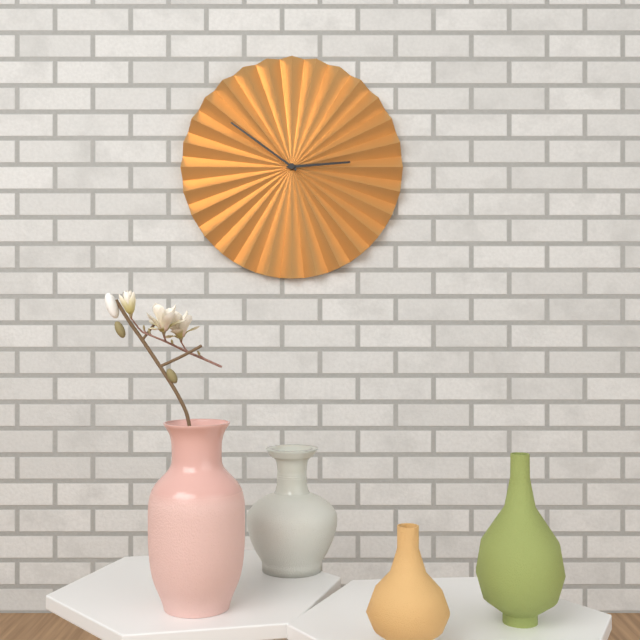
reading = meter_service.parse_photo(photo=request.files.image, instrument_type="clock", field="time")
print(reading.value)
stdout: 2:51
